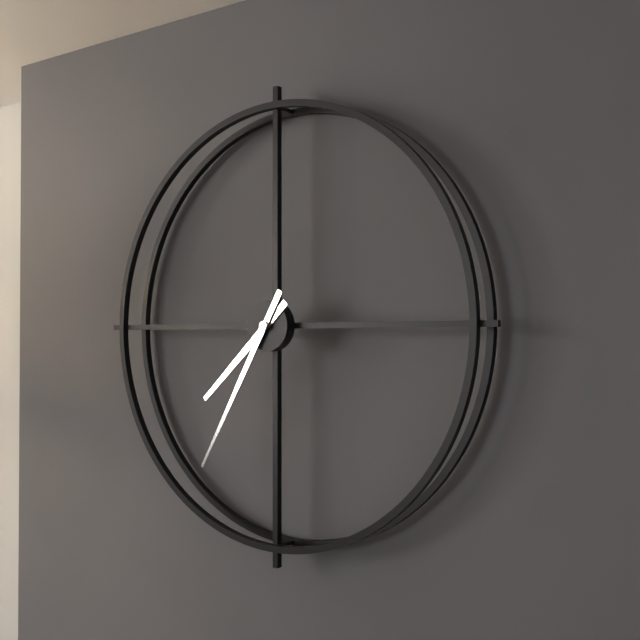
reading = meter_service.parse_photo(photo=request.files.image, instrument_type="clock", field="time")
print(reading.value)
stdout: 7:35
